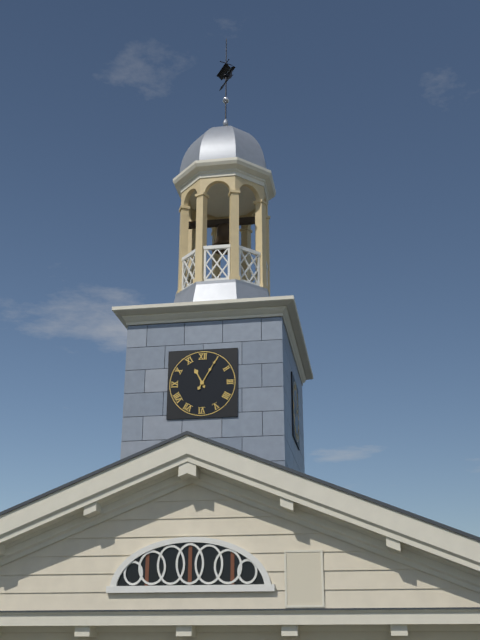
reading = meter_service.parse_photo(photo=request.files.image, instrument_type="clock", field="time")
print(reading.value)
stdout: 11:05
